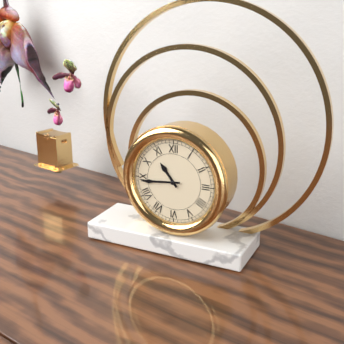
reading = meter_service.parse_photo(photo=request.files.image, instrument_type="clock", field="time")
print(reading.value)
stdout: 10:44
